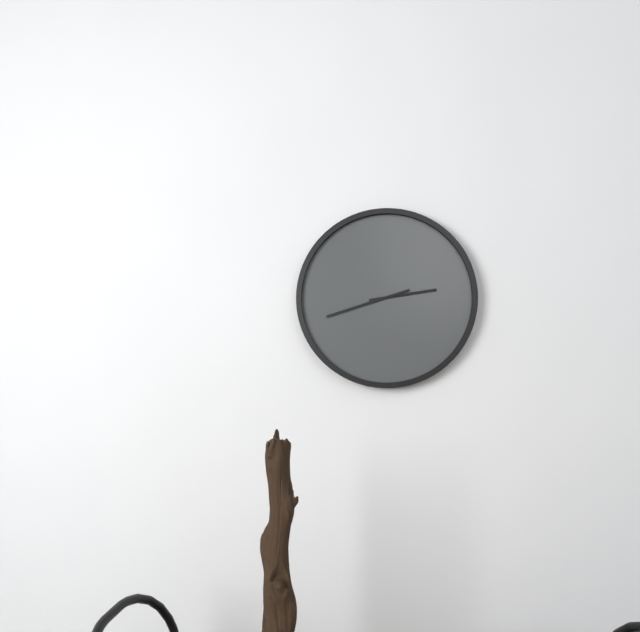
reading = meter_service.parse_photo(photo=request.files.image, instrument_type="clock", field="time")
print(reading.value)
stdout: 2:42
